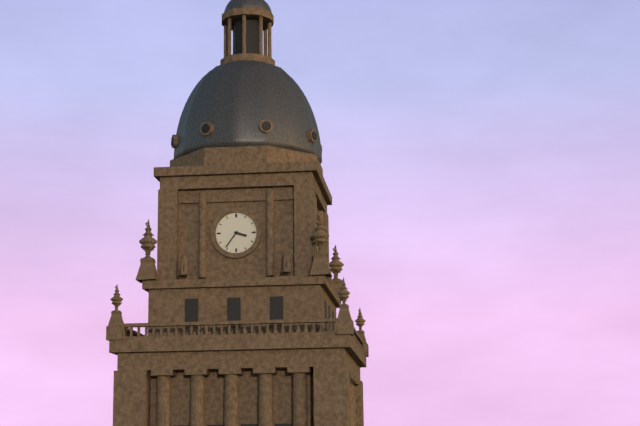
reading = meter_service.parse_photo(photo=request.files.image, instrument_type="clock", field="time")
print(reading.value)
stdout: 3:36
